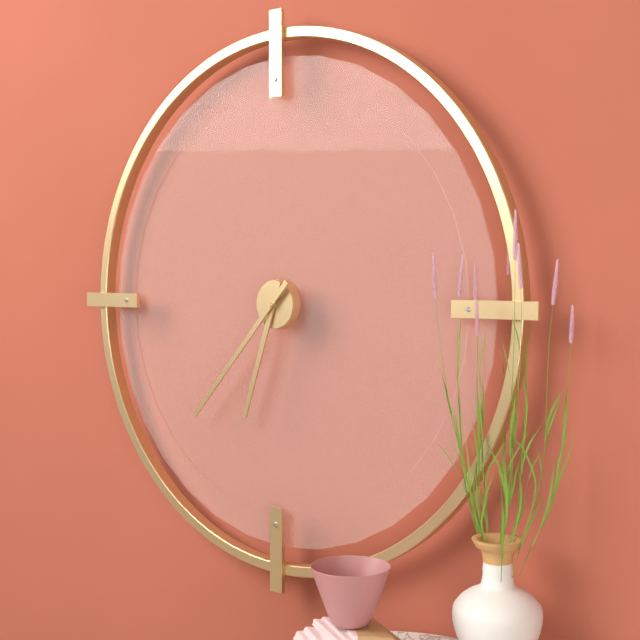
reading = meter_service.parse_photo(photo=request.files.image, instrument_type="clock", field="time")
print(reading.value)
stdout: 6:37
